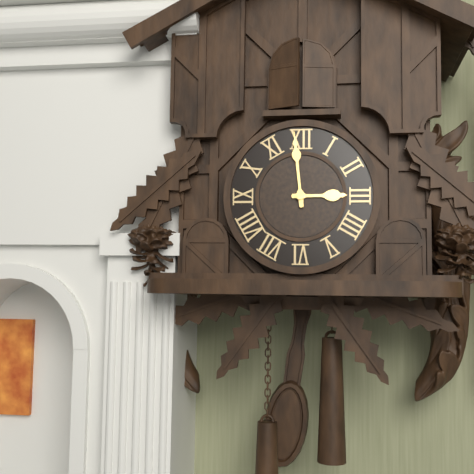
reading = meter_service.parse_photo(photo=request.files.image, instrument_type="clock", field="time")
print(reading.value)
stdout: 2:59
